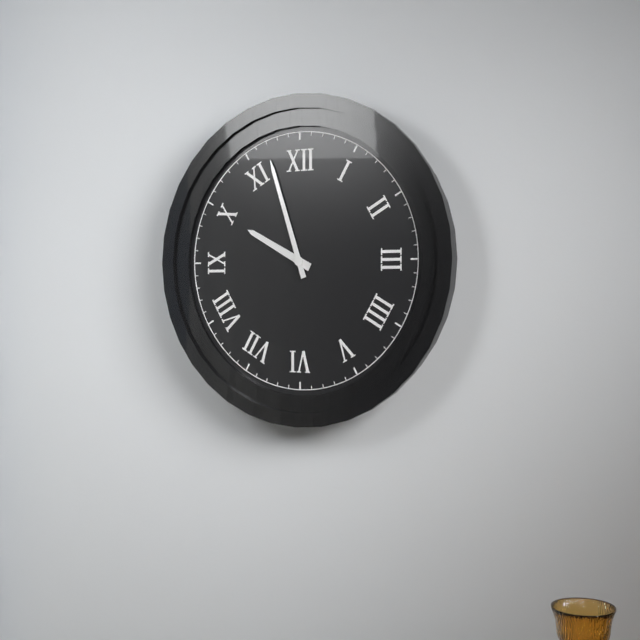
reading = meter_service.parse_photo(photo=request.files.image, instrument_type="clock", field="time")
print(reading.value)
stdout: 9:57
